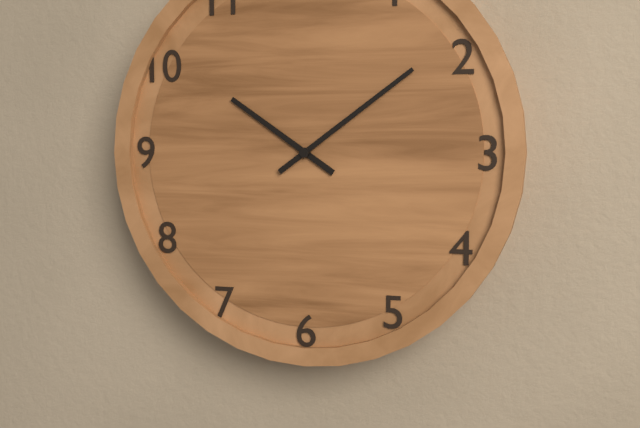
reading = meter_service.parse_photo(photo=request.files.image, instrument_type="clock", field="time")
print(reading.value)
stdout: 10:09
